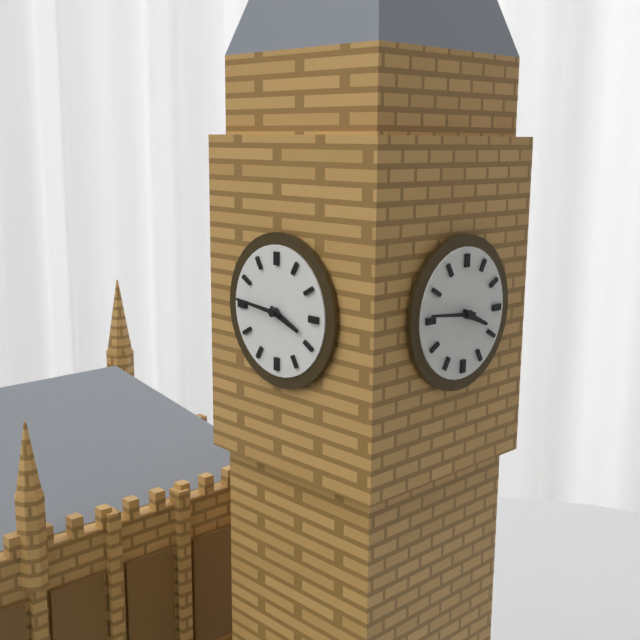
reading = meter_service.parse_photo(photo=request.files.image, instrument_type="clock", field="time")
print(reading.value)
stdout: 3:46
